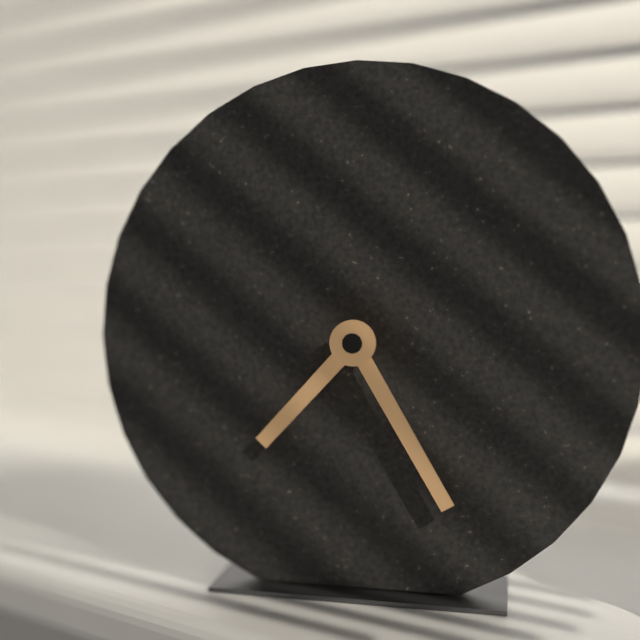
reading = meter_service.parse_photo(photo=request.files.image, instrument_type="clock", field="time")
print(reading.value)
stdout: 7:25
